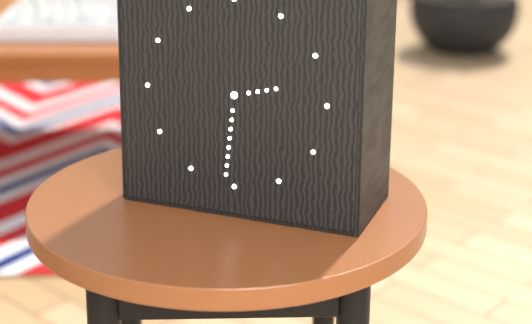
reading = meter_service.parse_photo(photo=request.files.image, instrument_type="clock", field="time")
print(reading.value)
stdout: 2:31
